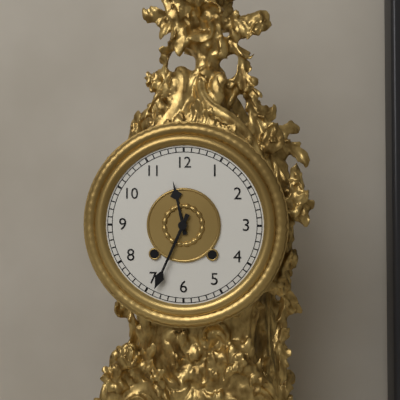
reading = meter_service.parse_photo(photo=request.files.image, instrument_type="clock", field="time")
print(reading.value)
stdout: 11:34
